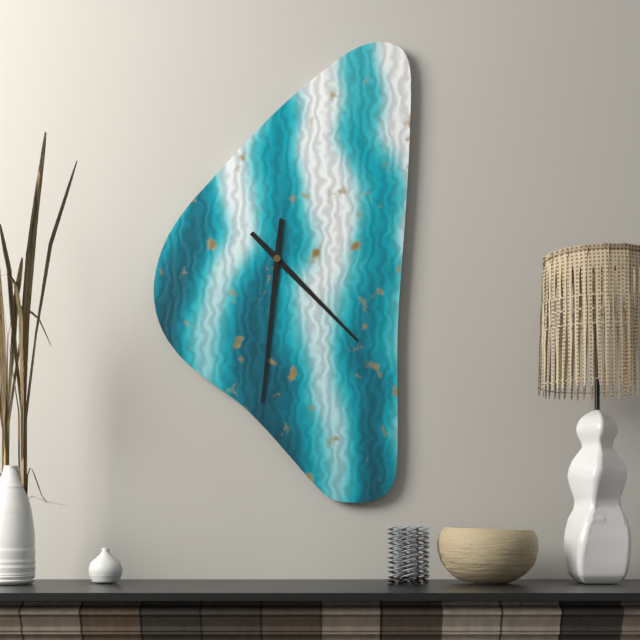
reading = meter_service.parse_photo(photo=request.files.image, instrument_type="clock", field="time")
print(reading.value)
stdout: 4:31
